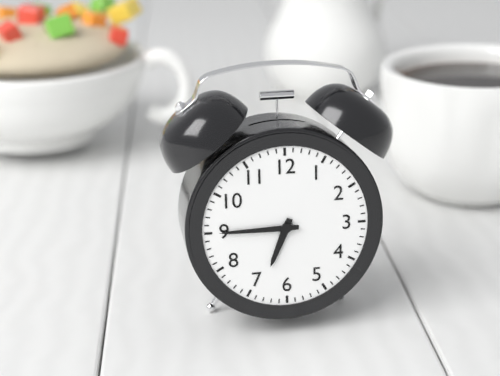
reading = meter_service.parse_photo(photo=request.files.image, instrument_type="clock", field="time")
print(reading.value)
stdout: 6:45
